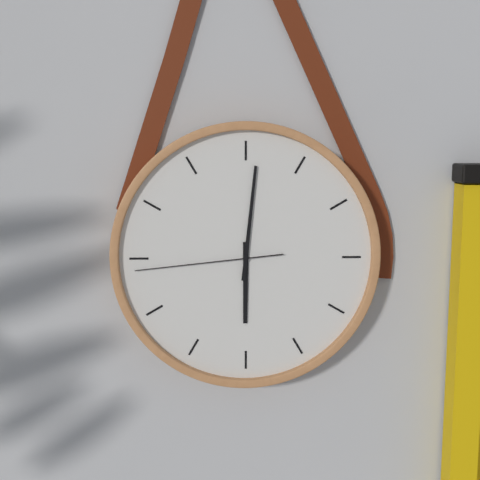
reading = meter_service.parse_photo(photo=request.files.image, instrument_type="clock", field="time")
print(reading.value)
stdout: 6:01:44
